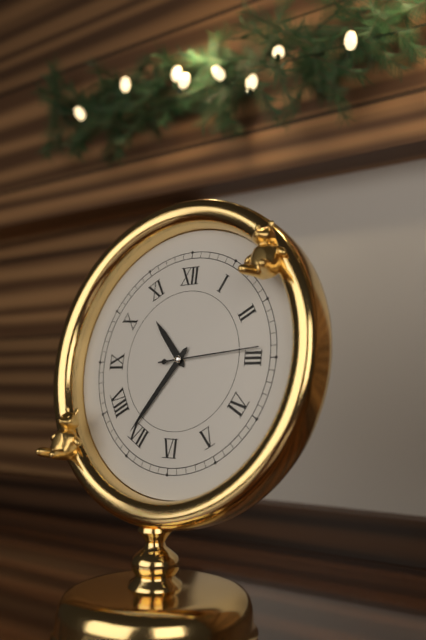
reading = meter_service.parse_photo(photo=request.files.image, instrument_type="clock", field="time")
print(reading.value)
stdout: 10:36:14
